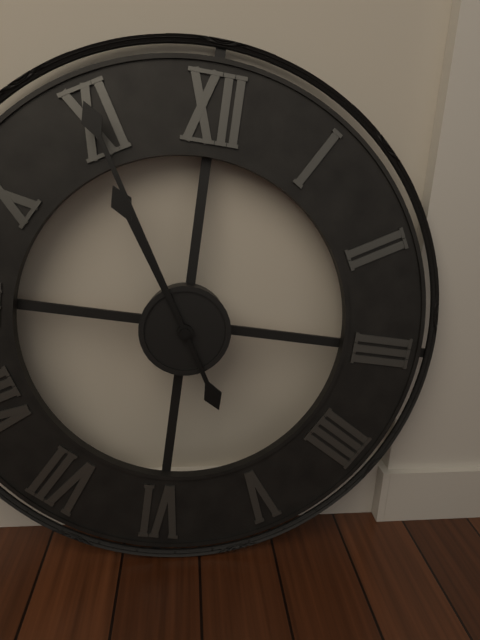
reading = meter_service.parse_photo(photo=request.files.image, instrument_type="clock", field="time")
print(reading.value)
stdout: 10:55
